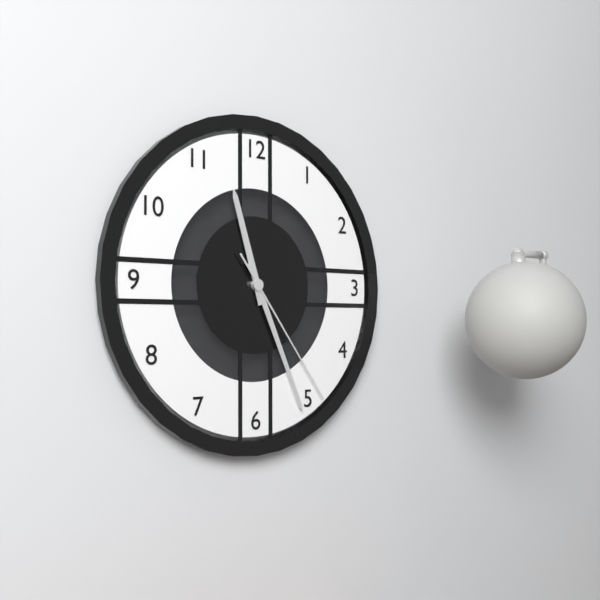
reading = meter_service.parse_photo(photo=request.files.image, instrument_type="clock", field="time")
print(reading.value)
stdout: 11:26:24
